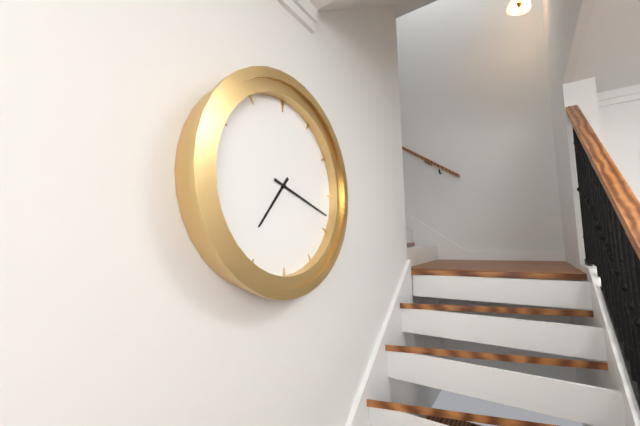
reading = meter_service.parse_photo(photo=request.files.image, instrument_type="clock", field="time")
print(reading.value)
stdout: 7:18
